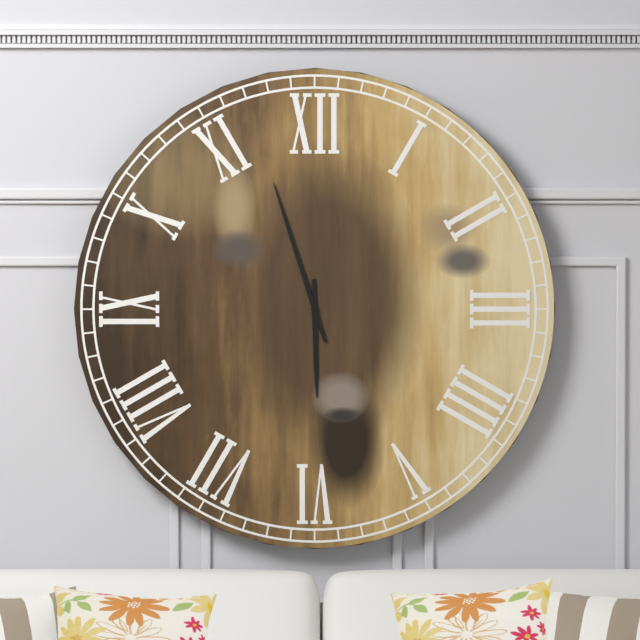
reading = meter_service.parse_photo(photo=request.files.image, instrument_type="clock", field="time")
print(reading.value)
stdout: 5:57
